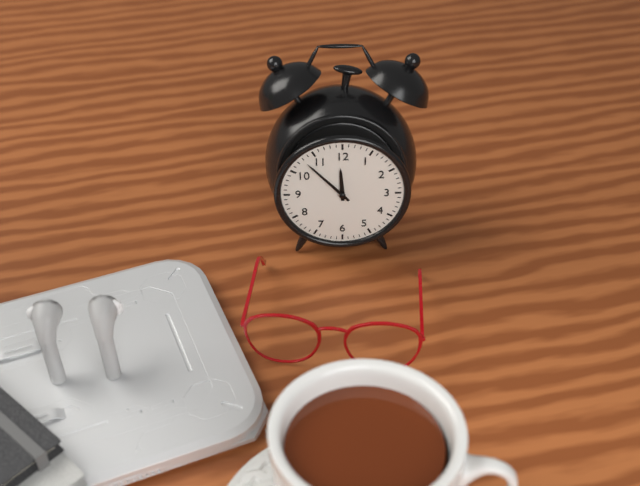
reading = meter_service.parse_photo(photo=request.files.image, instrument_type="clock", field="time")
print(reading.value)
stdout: 11:53
